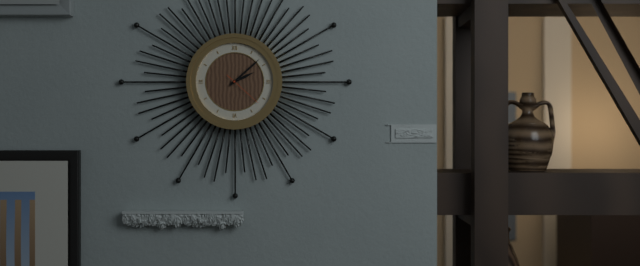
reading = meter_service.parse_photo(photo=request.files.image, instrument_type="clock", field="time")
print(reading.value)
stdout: 2:08
